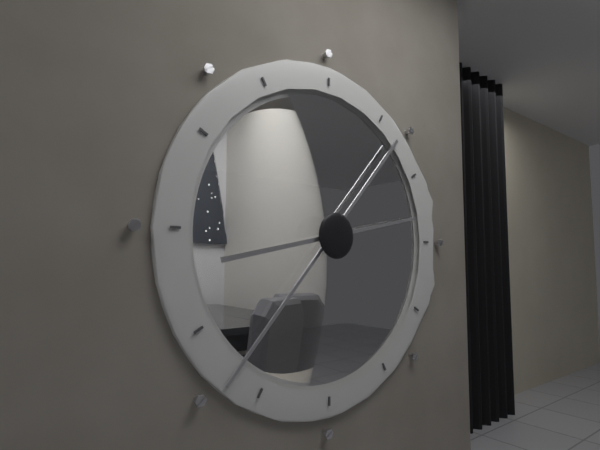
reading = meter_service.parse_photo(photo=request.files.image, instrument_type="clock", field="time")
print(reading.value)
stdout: 2:37
